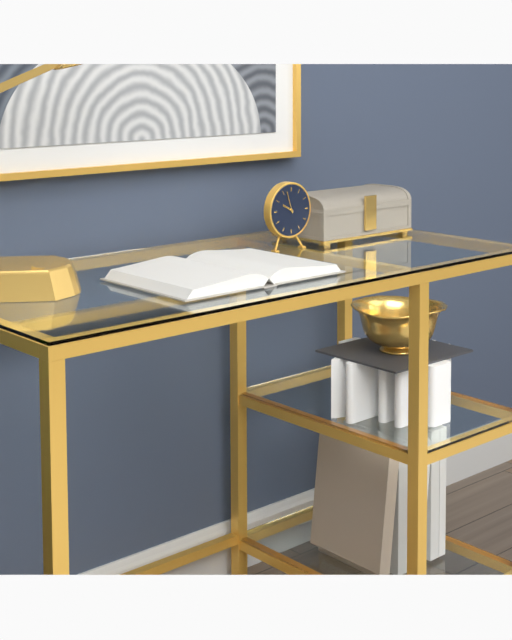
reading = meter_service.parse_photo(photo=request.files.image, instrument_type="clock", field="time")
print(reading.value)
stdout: 9:57
